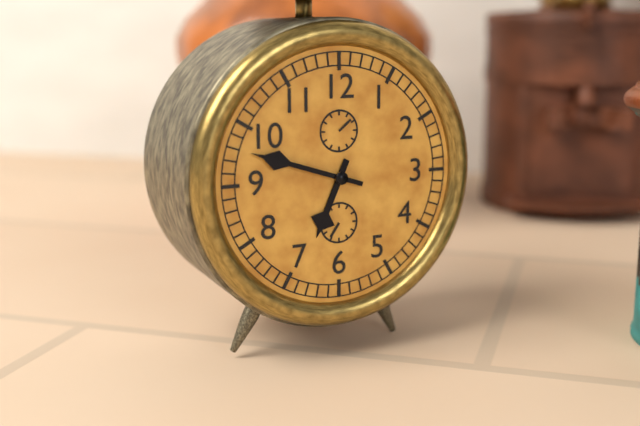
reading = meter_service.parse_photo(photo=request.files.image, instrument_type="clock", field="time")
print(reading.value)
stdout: 6:48
